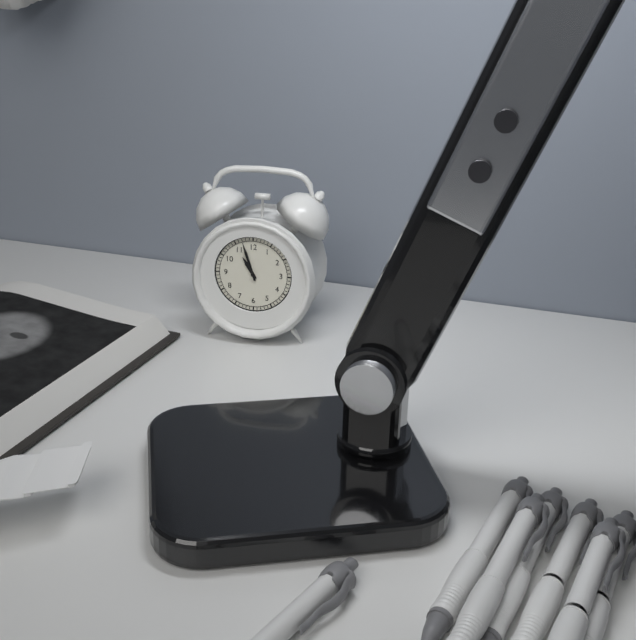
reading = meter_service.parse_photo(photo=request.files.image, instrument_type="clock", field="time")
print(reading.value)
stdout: 10:57
